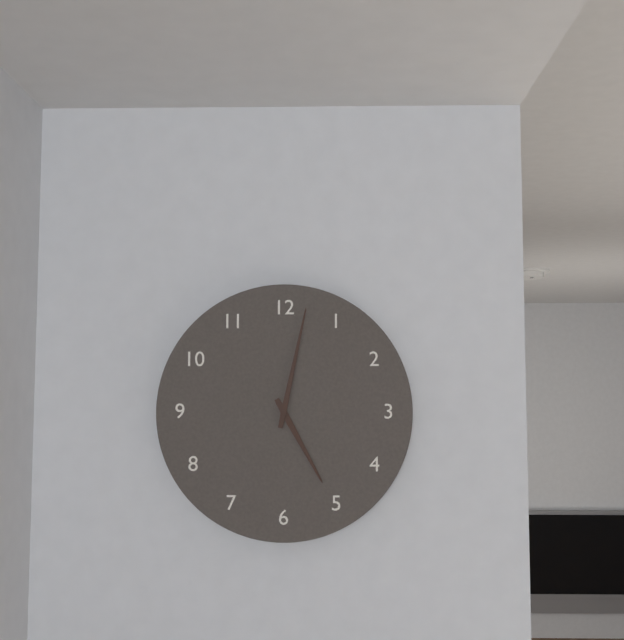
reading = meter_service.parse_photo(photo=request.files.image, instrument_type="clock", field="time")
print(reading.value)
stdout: 5:02
